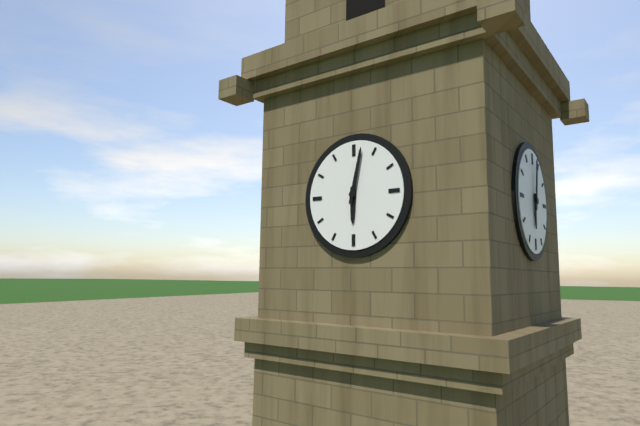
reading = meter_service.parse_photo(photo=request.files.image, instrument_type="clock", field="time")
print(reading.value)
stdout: 6:02
